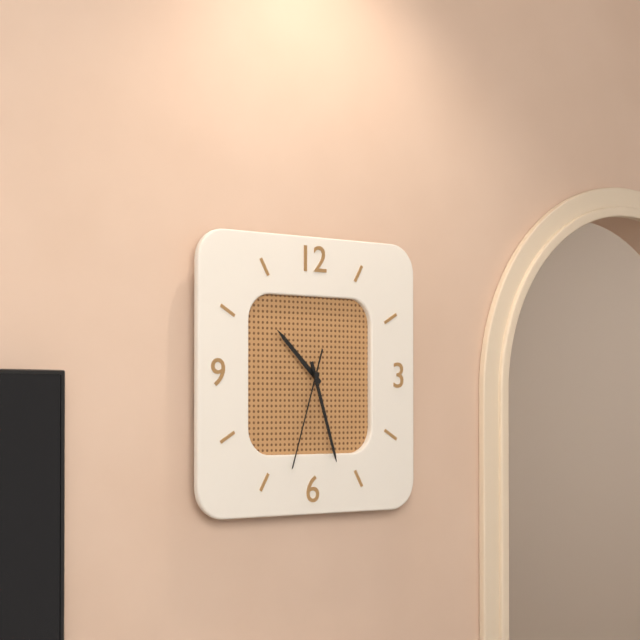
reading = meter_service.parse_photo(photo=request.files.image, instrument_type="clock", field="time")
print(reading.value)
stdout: 10:27:33
